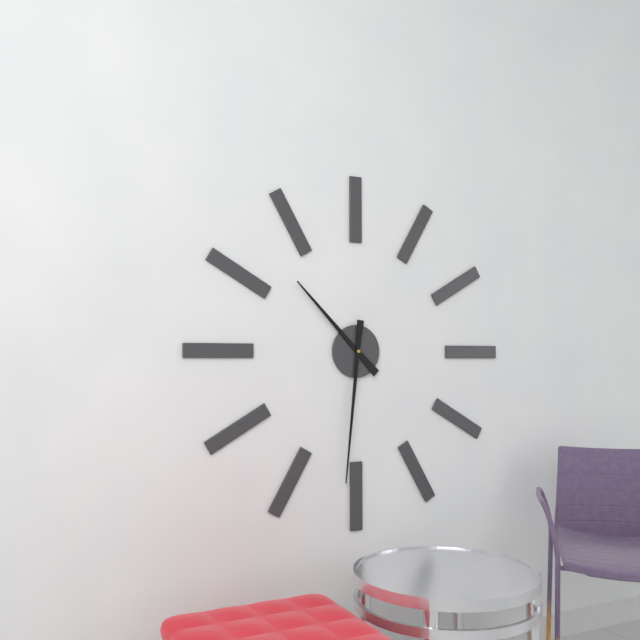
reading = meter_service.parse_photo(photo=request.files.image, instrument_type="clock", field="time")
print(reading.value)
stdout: 10:31
